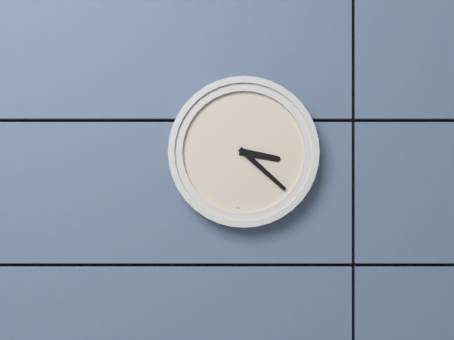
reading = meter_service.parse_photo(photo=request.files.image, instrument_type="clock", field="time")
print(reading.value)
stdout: 3:22
